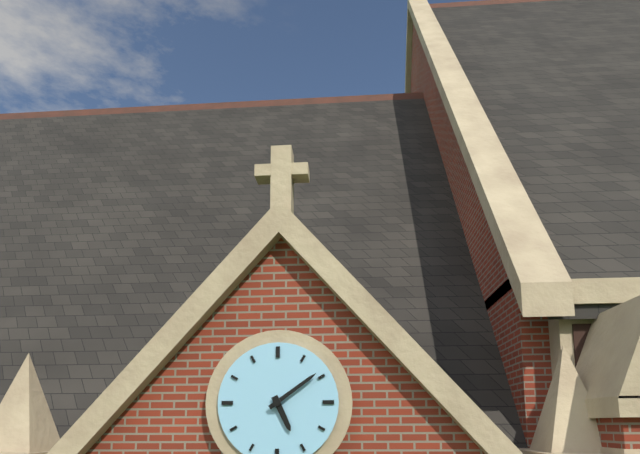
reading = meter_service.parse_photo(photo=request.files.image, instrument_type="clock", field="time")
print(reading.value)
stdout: 5:09
